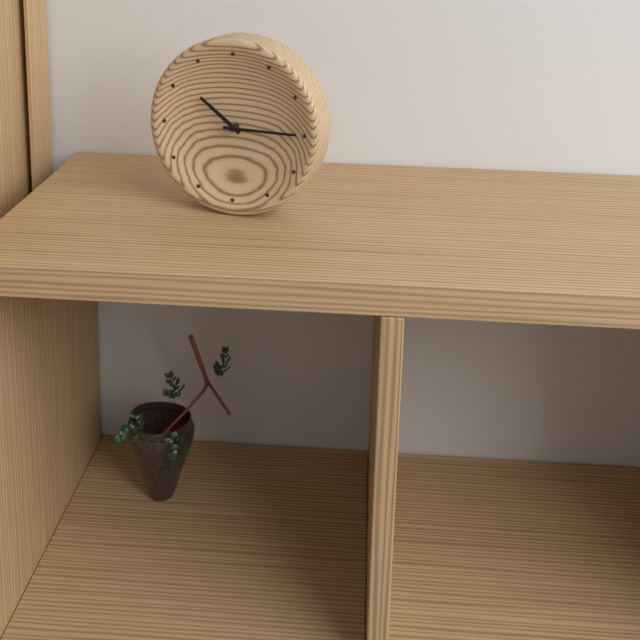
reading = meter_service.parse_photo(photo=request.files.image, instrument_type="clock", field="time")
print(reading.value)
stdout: 10:15
